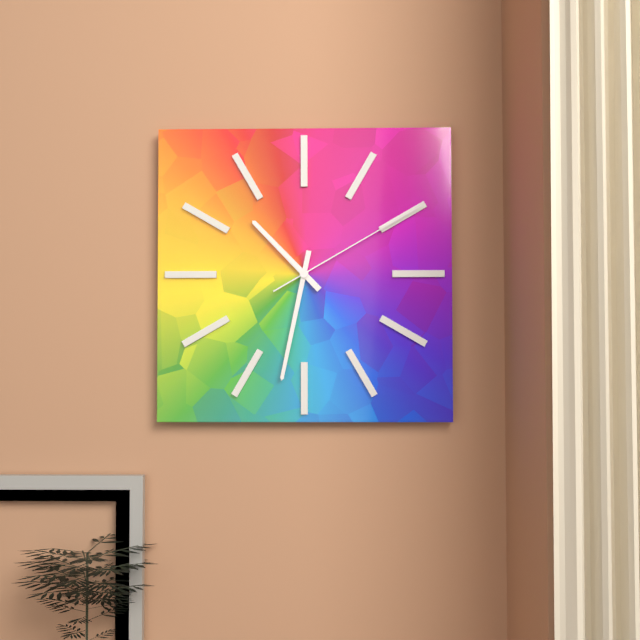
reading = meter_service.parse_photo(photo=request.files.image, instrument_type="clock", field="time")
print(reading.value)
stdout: 10:32:10
